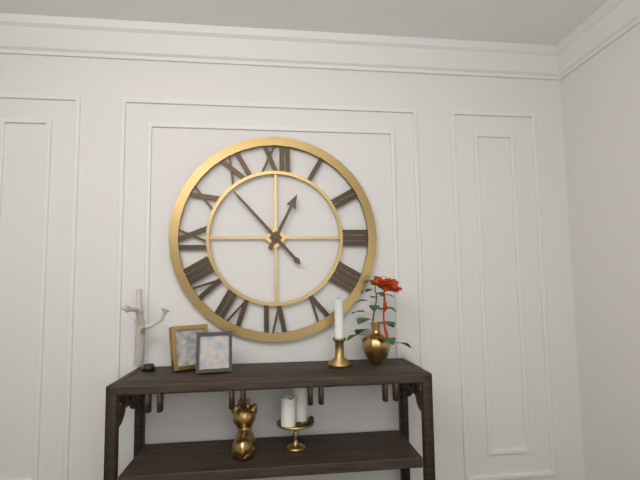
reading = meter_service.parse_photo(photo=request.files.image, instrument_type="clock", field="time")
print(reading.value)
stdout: 12:53
